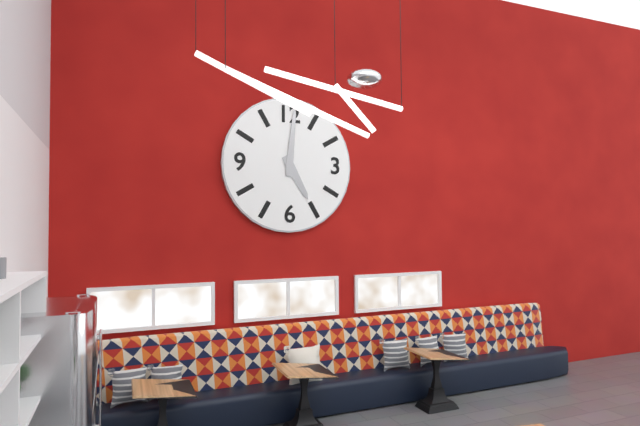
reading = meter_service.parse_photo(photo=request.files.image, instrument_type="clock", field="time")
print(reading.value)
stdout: 5:01
